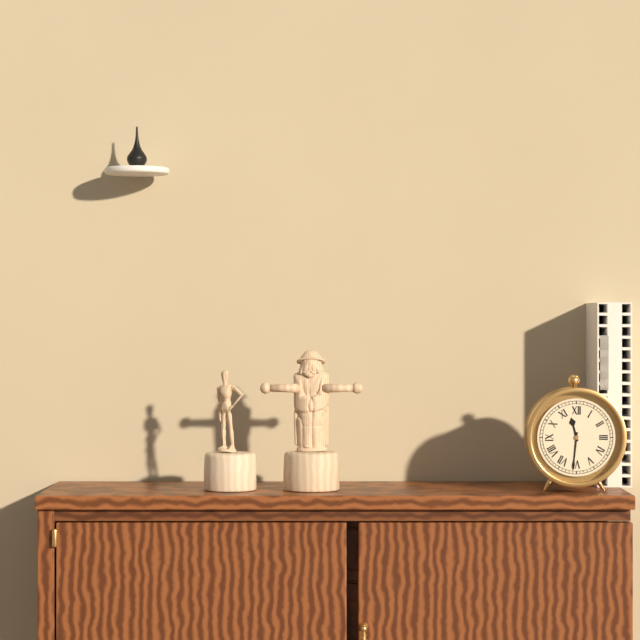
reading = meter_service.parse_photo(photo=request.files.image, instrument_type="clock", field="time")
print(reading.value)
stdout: 11:31
